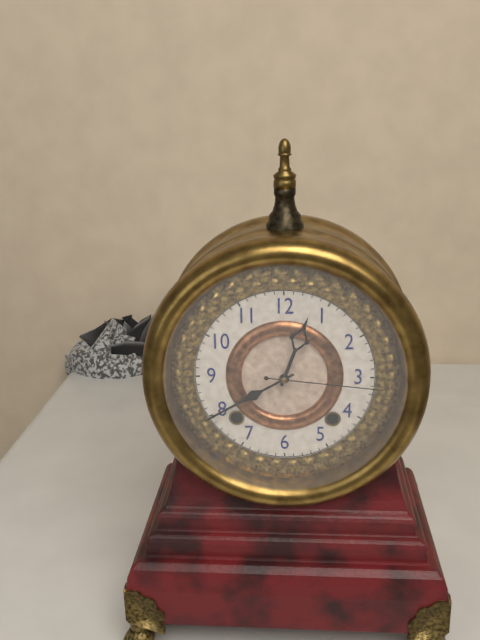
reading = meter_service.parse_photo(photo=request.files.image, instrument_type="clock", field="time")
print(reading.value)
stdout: 12:40:16
